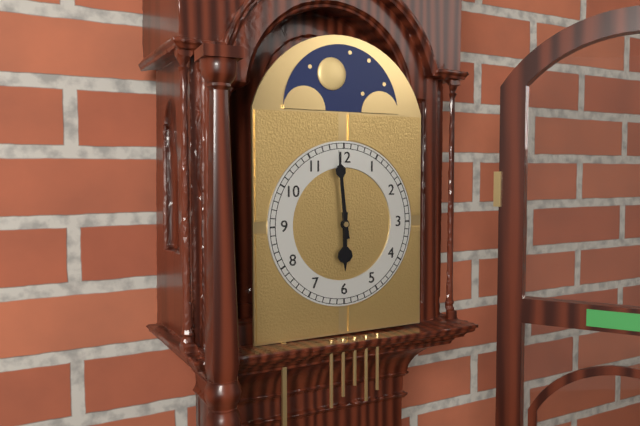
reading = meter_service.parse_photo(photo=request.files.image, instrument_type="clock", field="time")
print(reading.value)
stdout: 5:59
